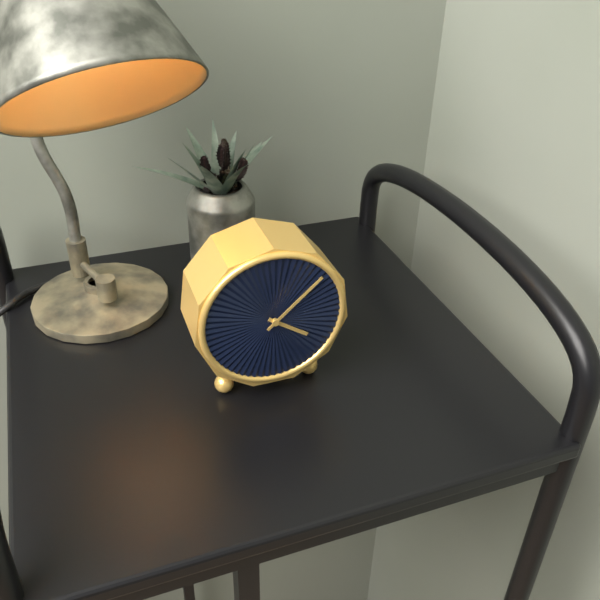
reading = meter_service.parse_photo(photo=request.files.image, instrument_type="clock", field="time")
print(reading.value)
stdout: 4:08
